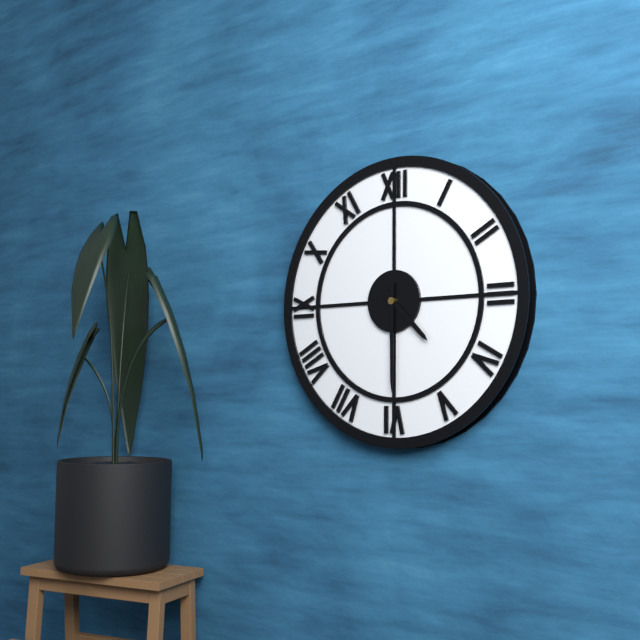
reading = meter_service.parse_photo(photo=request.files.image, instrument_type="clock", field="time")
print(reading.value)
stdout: 4:30
